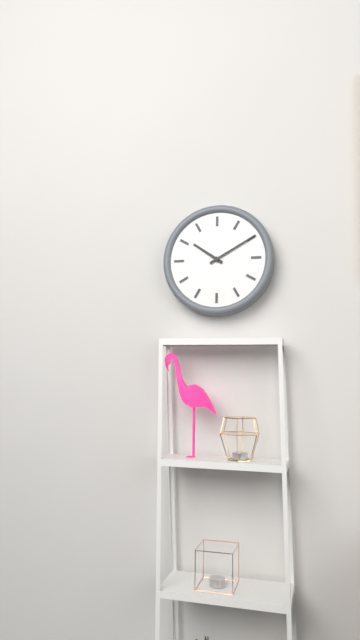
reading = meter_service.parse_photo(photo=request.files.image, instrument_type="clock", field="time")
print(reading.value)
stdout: 10:10
